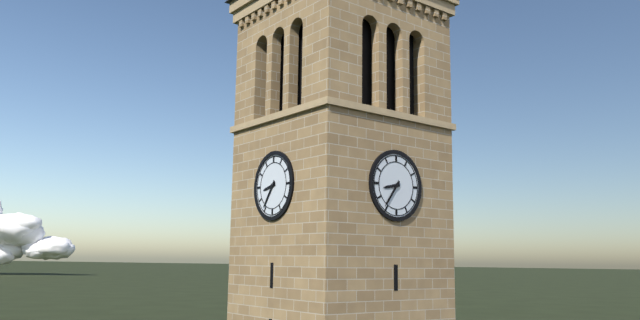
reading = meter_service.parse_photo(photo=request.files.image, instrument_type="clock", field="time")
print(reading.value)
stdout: 8:36
